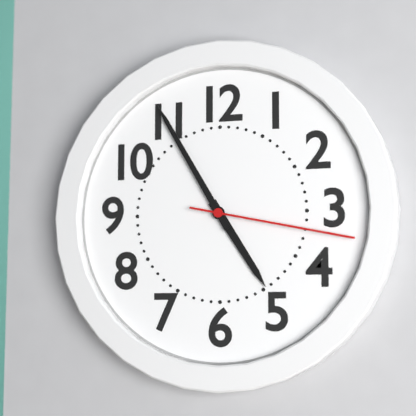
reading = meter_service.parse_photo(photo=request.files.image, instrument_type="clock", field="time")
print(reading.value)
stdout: 4:55:17
